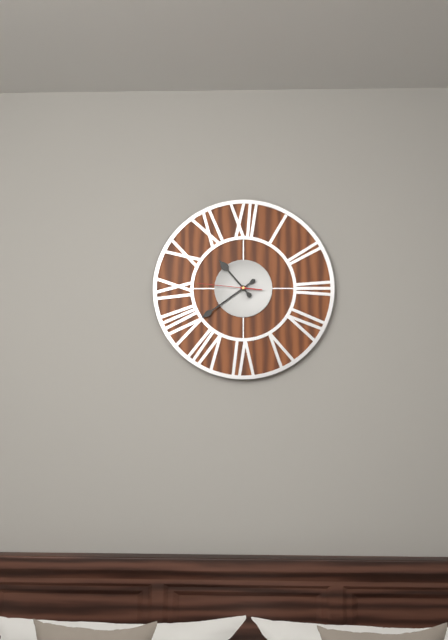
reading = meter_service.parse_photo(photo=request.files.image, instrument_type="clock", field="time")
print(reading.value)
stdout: 10:39:46
